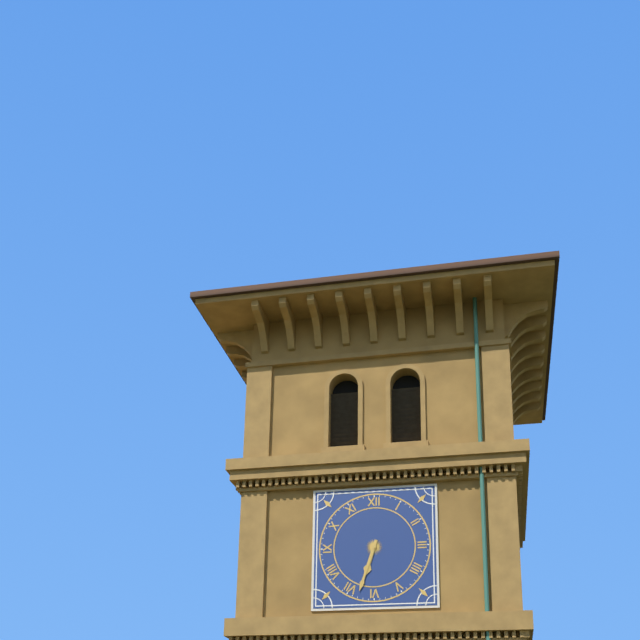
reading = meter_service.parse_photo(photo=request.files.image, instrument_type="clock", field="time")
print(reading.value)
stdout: 6:33
